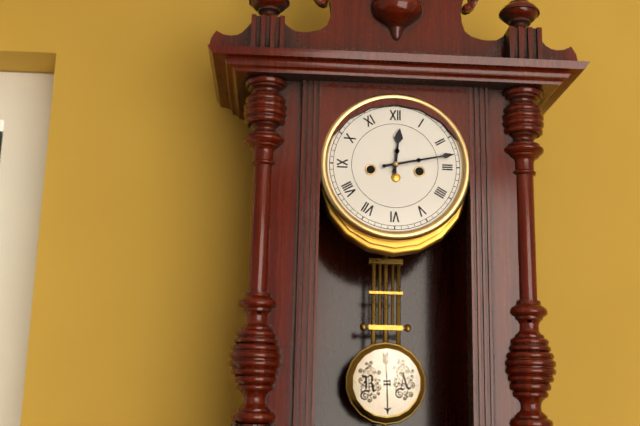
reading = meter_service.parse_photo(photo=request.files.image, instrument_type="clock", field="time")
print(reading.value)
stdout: 12:13
